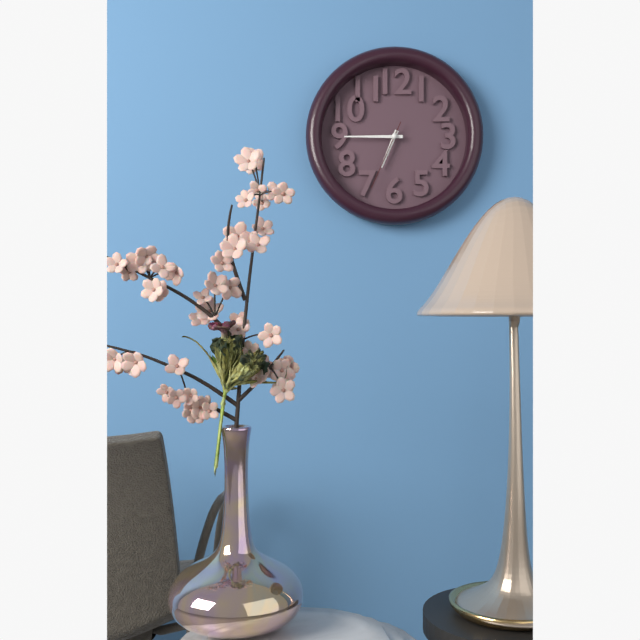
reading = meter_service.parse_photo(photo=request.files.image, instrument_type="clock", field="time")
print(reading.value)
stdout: 6:45:34
